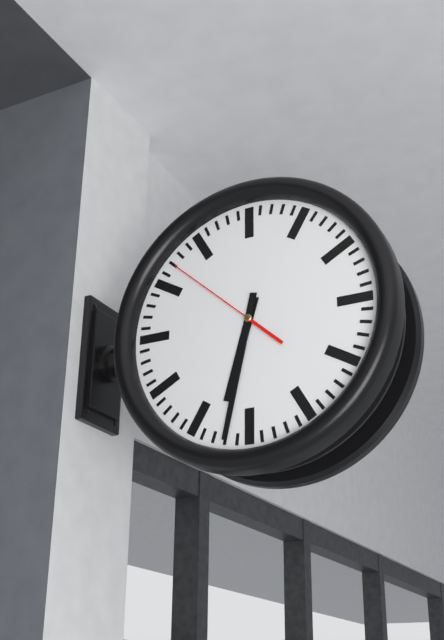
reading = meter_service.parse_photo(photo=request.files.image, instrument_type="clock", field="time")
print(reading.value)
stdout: 6:32:52
